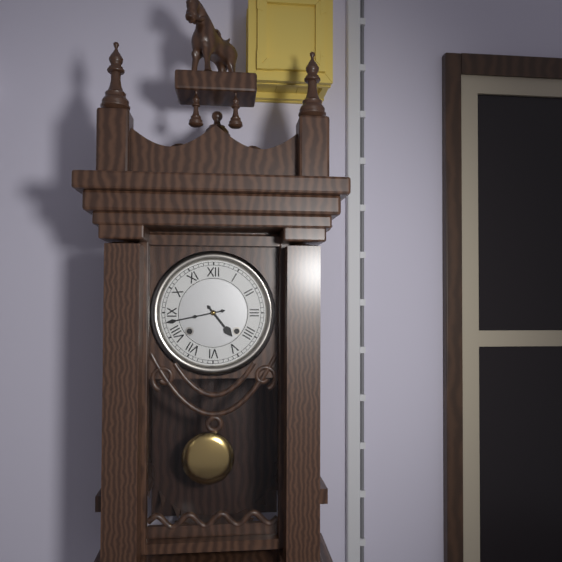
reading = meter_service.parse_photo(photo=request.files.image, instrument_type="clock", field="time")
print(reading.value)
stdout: 4:43
